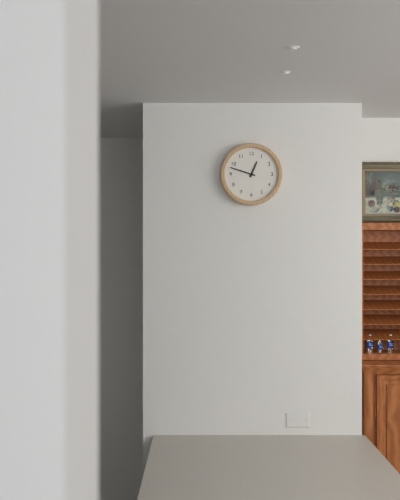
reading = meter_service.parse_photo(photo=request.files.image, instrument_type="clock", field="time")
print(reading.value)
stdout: 12:48
